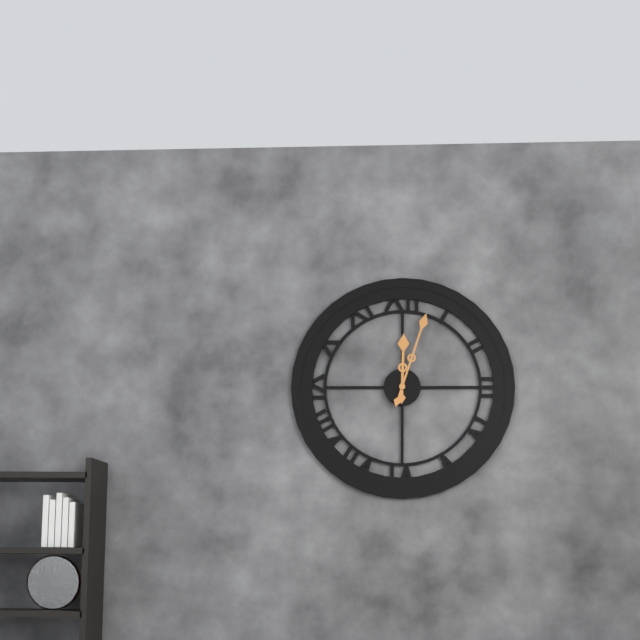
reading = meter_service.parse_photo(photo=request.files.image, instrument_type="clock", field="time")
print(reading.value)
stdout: 12:03
